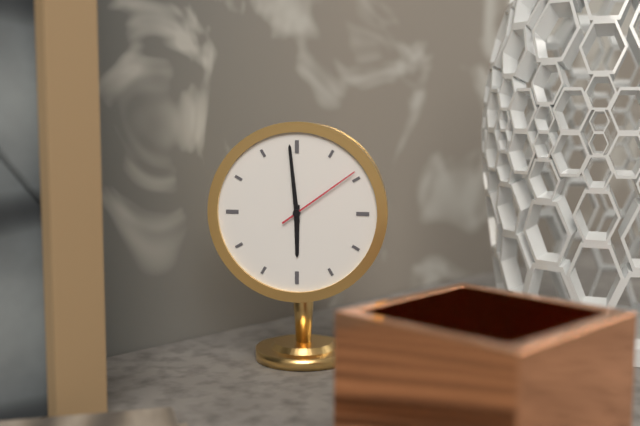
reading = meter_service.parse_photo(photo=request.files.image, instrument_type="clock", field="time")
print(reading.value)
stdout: 5:59:09
